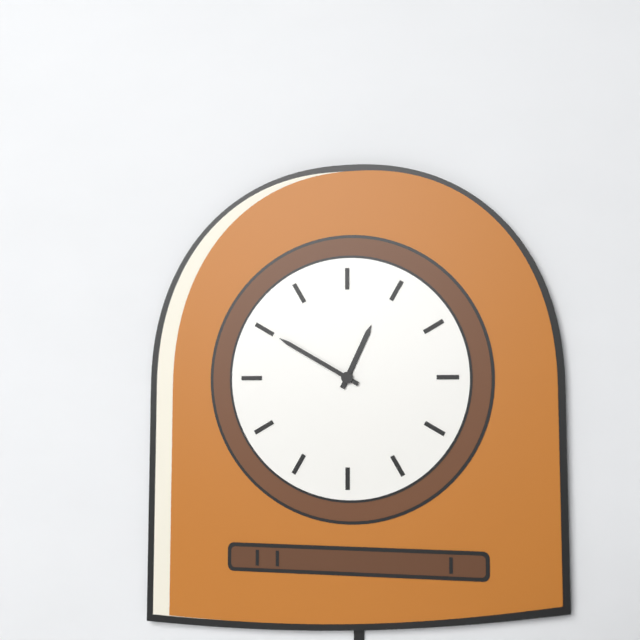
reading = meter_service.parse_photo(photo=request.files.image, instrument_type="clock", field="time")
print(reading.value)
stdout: 12:50
